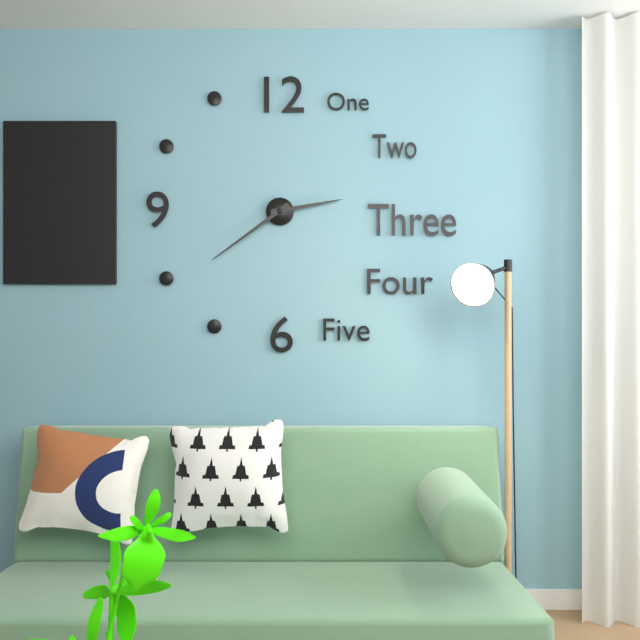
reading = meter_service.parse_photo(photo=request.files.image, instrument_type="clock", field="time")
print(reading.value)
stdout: 2:39
